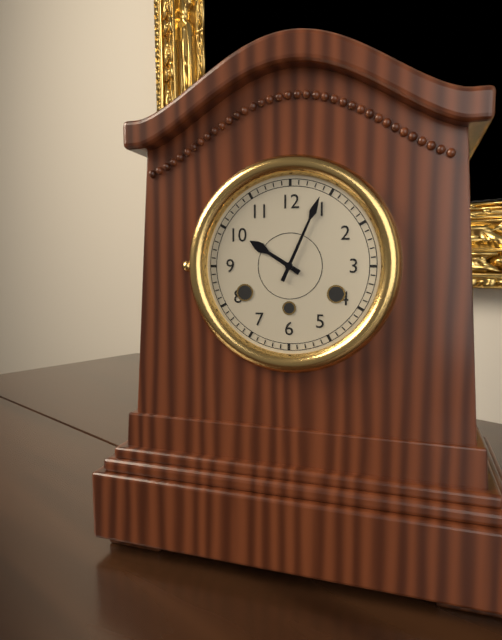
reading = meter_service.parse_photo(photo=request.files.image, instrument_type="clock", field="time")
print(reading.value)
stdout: 10:04
